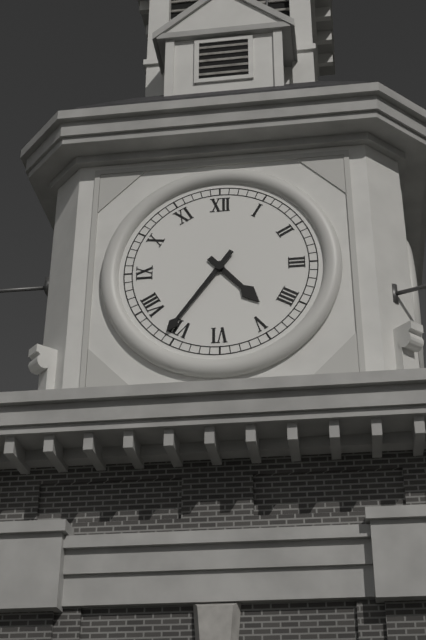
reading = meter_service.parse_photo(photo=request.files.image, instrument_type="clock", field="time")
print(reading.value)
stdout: 4:36
